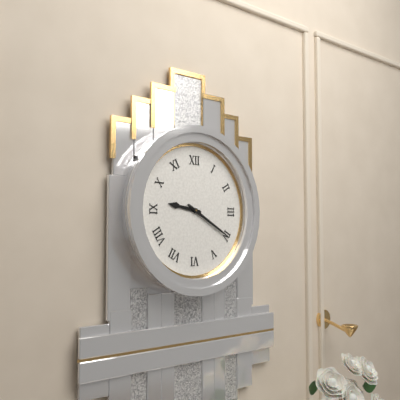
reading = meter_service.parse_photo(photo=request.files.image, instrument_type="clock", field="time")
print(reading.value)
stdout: 9:20
